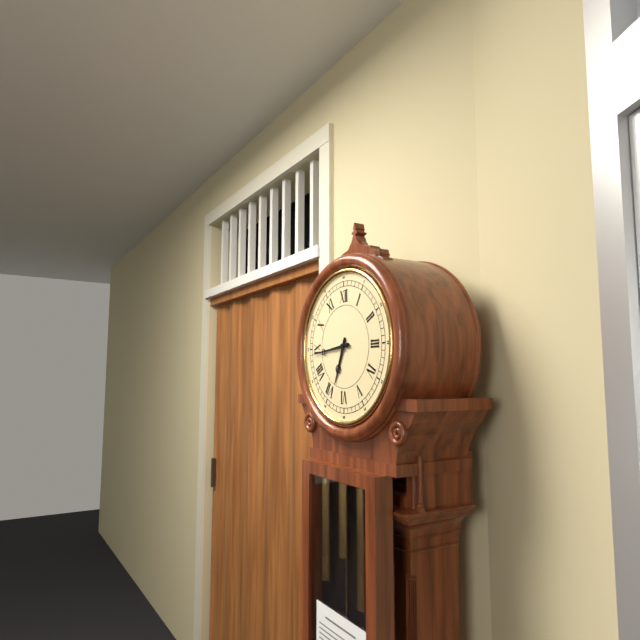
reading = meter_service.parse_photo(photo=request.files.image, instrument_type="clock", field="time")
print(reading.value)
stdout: 6:44
